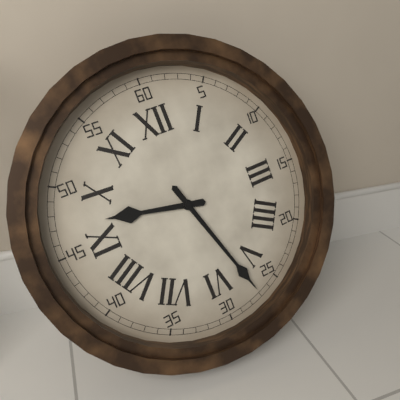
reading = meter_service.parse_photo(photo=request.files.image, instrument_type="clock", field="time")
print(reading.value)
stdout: 9:27
